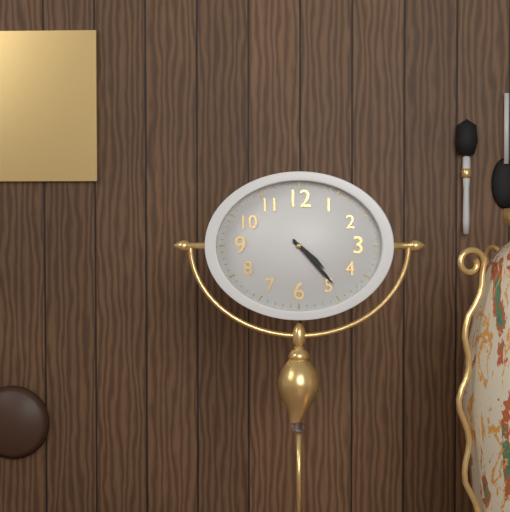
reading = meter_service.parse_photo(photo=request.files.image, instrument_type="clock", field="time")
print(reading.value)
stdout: 4:23
